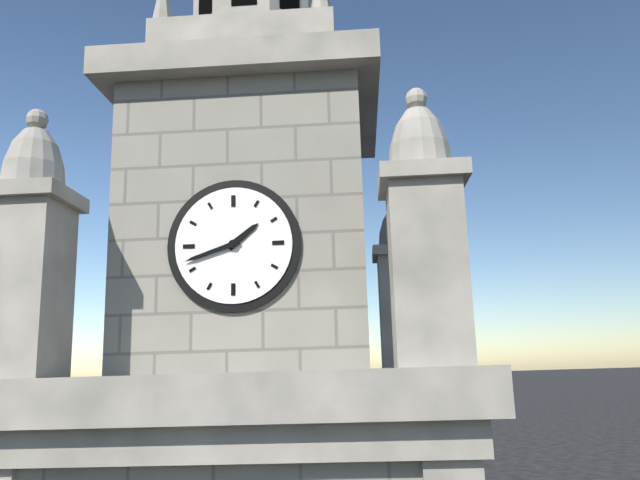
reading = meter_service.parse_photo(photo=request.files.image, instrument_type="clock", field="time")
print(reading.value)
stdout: 1:42
